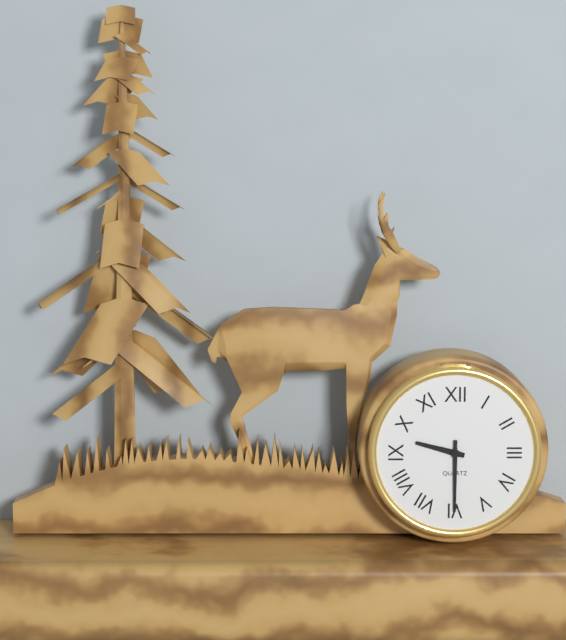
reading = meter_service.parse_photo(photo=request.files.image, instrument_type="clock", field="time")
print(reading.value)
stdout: 9:30
